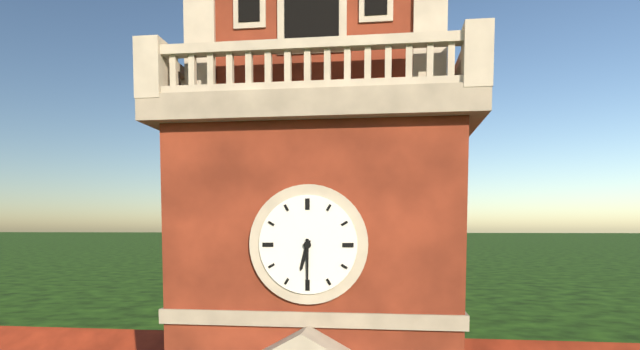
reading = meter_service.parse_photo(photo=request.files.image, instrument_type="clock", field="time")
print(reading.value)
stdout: 6:30
